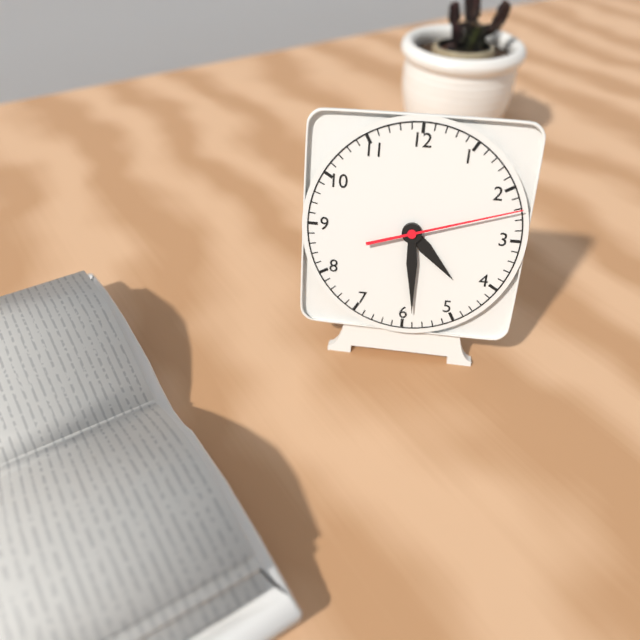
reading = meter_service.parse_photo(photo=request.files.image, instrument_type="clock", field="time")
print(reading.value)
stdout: 4:29:12
